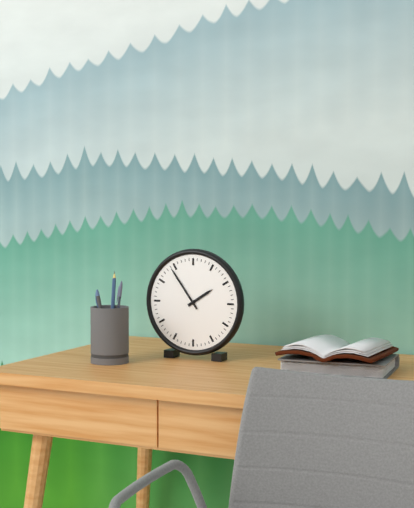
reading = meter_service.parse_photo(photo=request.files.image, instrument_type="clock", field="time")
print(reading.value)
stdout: 1:54
